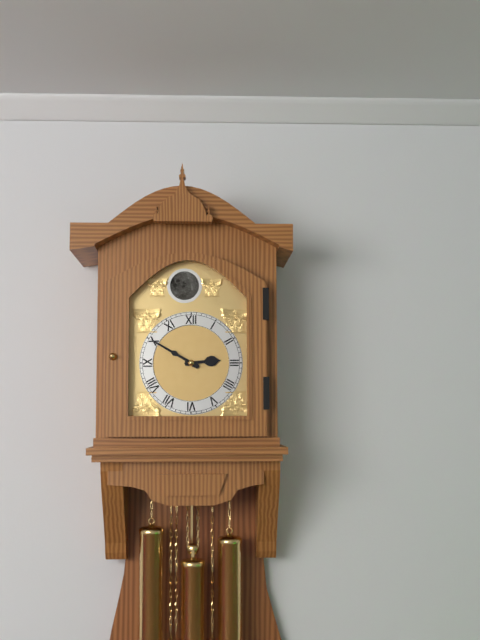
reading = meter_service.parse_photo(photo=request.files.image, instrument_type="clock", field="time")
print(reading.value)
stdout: 2:50
